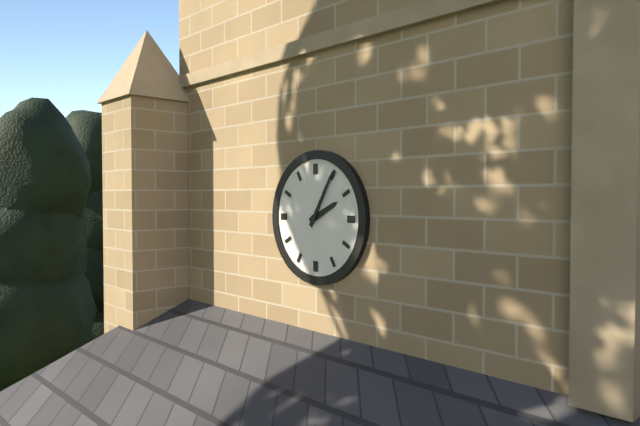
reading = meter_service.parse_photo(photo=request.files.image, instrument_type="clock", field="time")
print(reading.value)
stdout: 2:05
